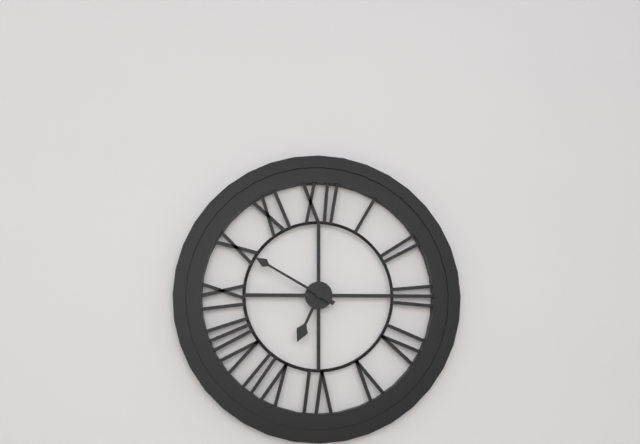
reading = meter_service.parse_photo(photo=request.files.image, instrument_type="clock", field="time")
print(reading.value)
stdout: 6:50
